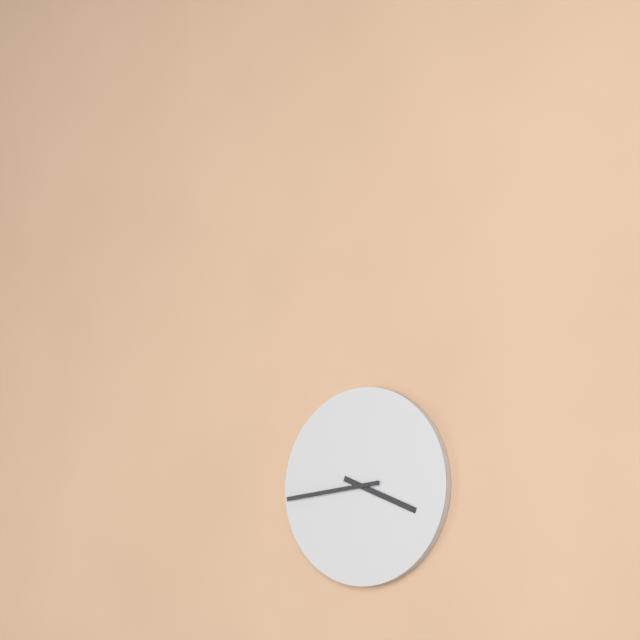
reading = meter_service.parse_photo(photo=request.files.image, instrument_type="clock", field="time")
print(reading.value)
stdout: 3:44
